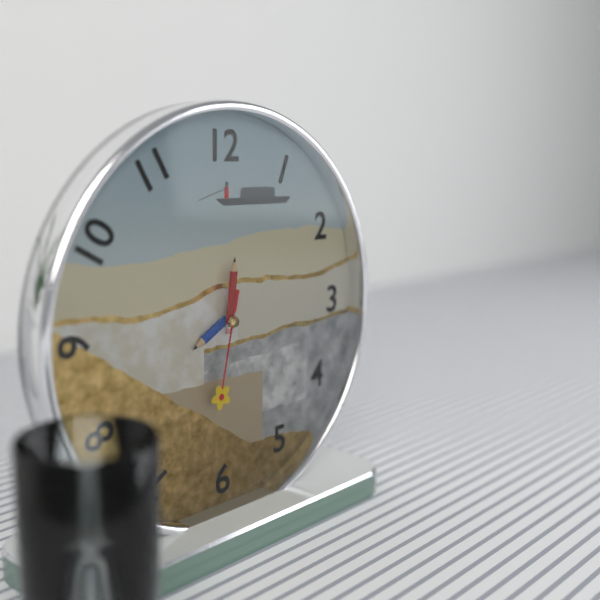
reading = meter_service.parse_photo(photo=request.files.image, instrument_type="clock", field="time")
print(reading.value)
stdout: 8:01:32
